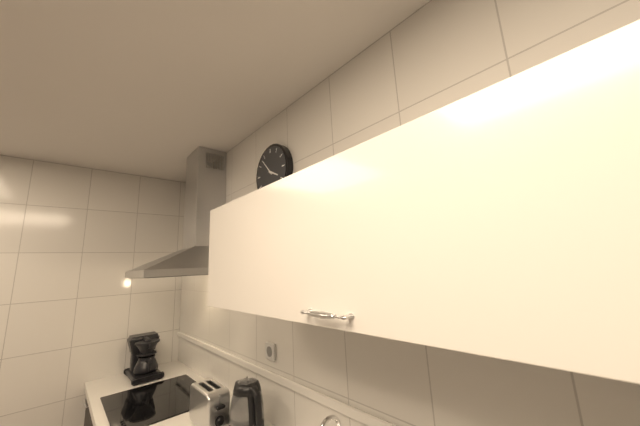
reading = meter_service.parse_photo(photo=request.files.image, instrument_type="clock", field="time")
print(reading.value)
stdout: 3:53
